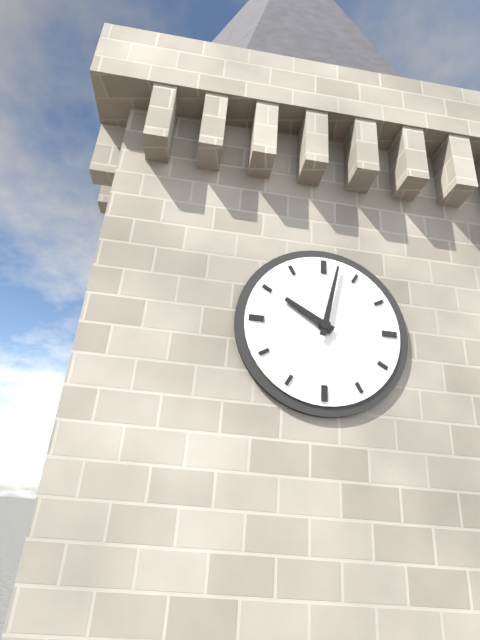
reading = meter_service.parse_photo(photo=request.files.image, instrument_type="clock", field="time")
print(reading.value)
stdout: 10:02
